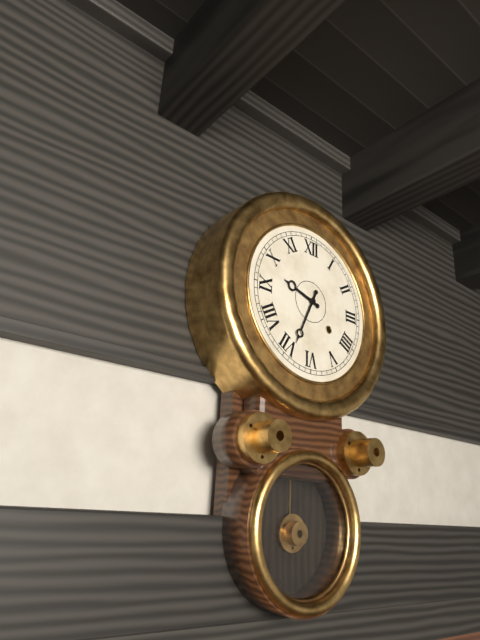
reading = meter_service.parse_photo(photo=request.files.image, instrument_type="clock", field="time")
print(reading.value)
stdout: 9:34
